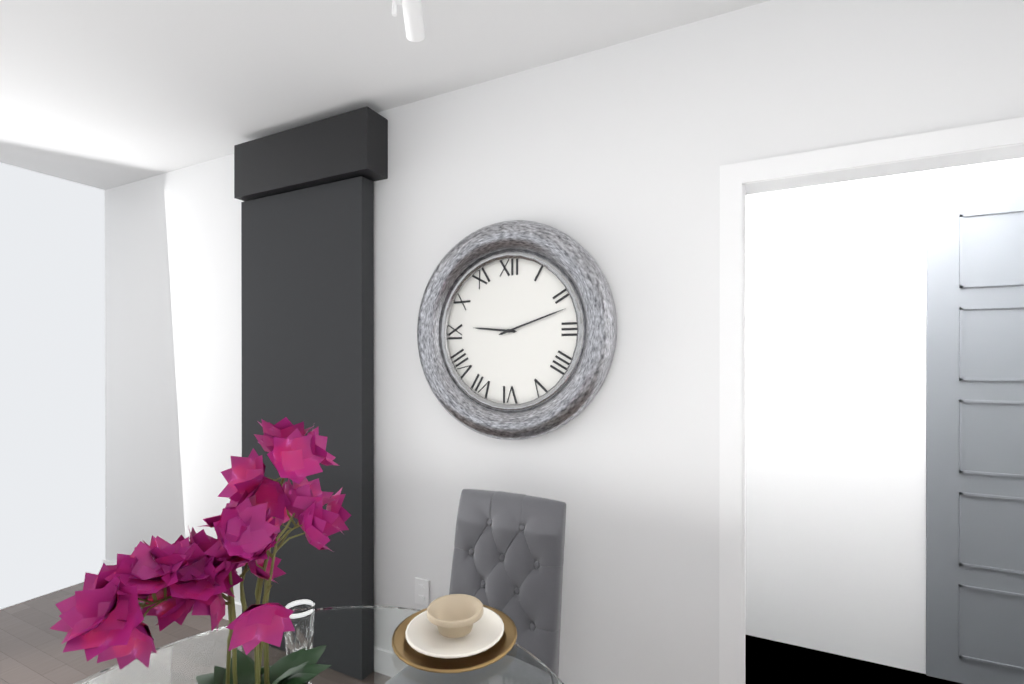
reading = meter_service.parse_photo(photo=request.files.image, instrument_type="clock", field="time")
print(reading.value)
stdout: 9:12
